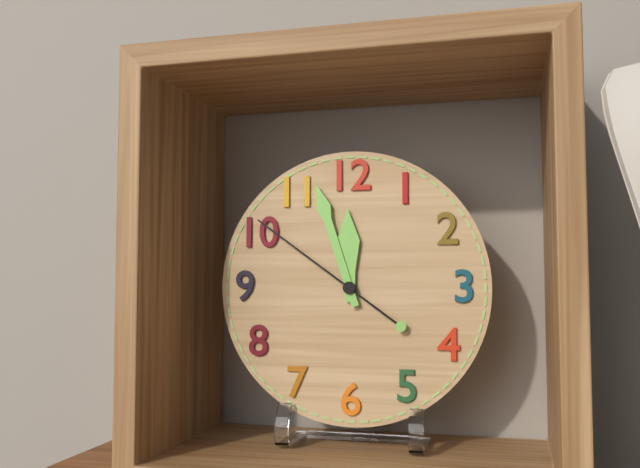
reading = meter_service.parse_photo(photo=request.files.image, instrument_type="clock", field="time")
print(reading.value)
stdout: 11:57:51
